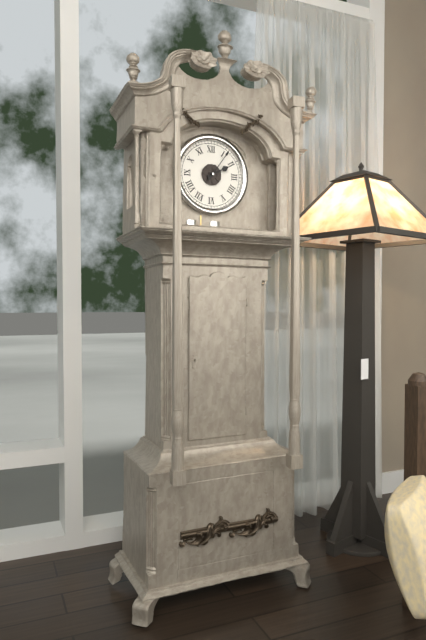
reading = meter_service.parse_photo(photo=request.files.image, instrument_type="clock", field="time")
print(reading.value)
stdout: 2:06
